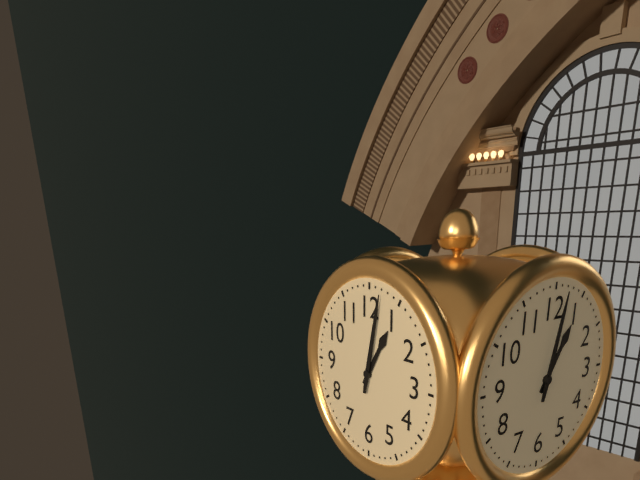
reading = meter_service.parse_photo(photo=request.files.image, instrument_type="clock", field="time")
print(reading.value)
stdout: 1:02
